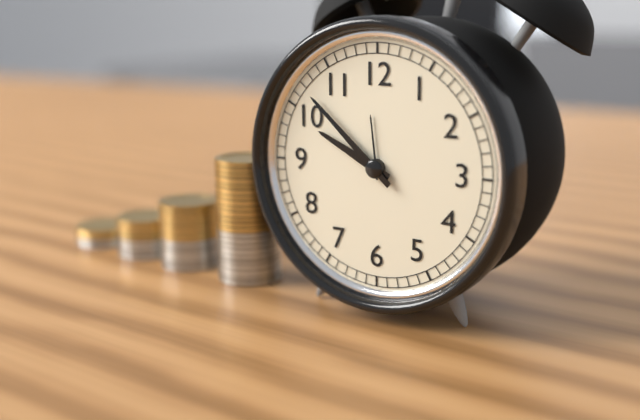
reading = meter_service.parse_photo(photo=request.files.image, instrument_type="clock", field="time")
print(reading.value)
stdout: 9:52
